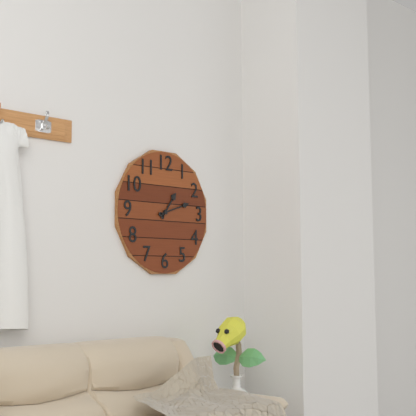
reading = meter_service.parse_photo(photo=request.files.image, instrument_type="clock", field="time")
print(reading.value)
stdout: 1:12
